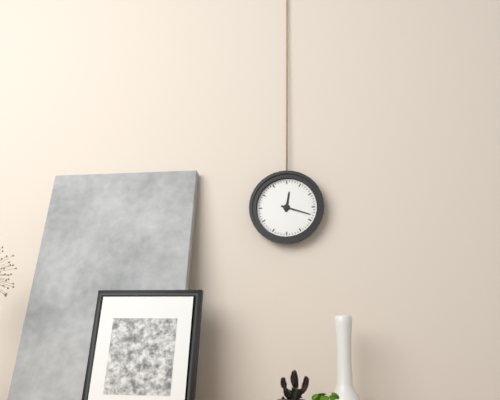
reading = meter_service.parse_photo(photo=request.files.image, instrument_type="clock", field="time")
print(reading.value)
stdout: 12:18
